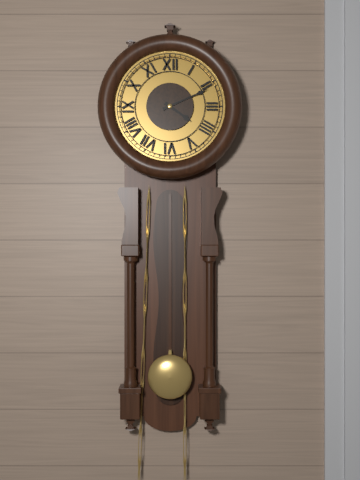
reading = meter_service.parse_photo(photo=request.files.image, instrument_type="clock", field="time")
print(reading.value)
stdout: 4:11
